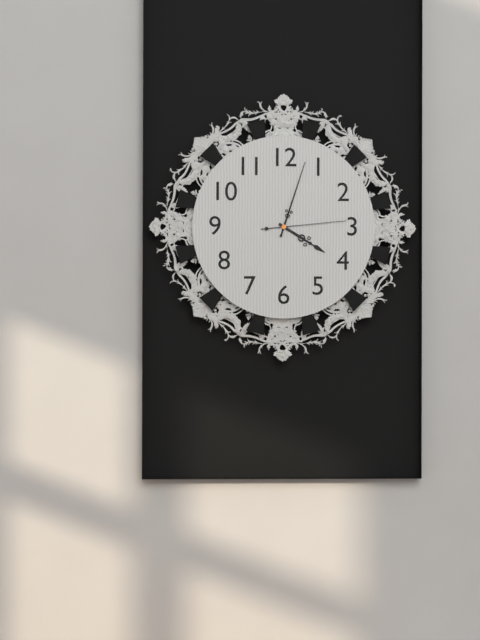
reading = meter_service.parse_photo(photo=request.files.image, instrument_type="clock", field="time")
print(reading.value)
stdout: 4:03:14
